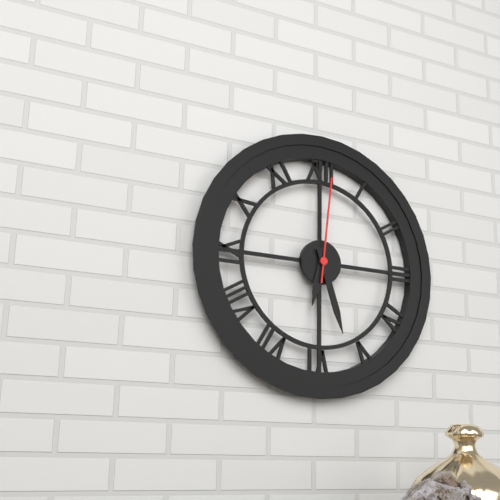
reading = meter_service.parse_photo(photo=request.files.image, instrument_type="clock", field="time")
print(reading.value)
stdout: 6:27:01
